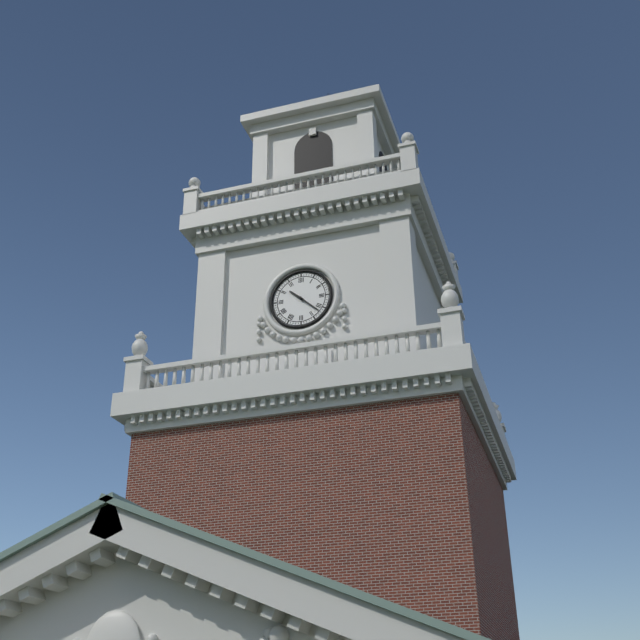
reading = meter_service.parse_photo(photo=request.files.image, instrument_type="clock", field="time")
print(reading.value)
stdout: 10:22
